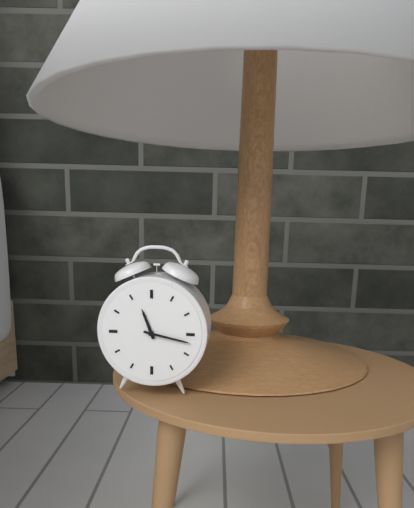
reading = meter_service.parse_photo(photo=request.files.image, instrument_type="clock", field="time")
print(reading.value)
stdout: 11:17
